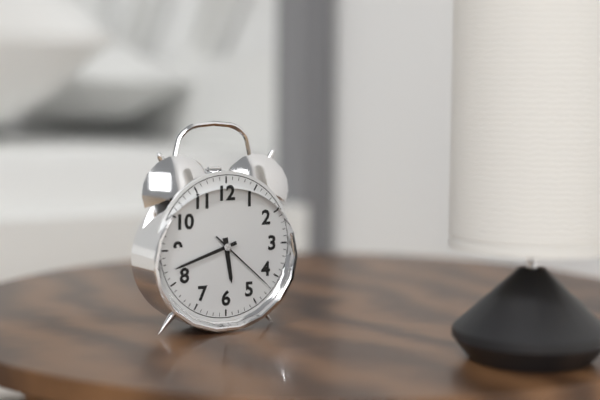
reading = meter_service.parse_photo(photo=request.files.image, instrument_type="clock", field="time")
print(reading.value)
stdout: 5:42:22
